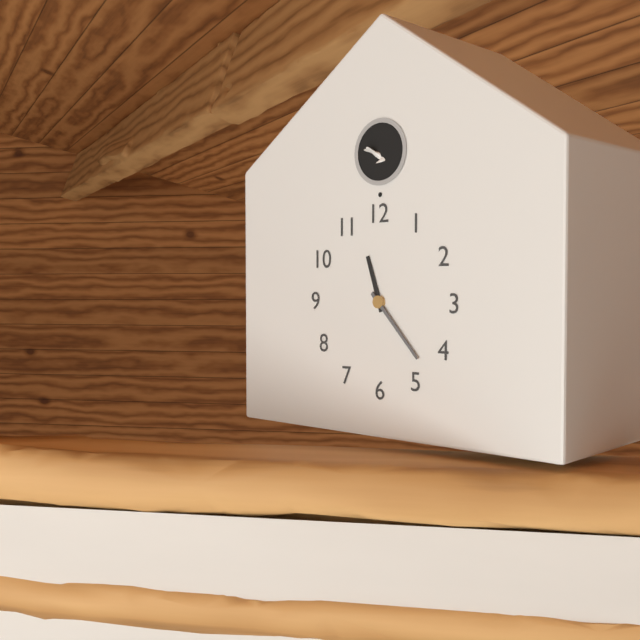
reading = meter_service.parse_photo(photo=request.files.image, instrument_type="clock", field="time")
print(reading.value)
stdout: 11:23
